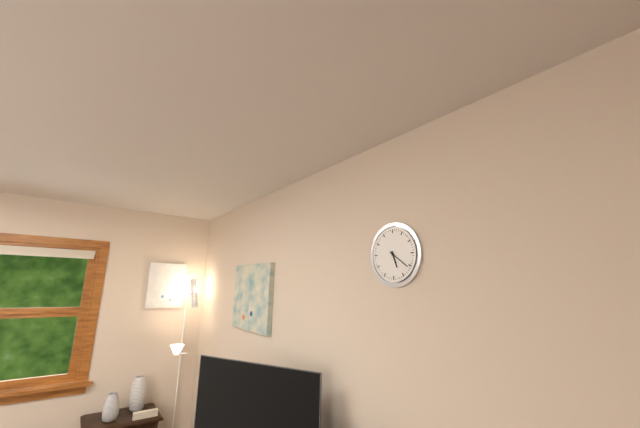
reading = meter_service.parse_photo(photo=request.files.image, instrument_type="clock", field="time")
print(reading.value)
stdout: 5:21
